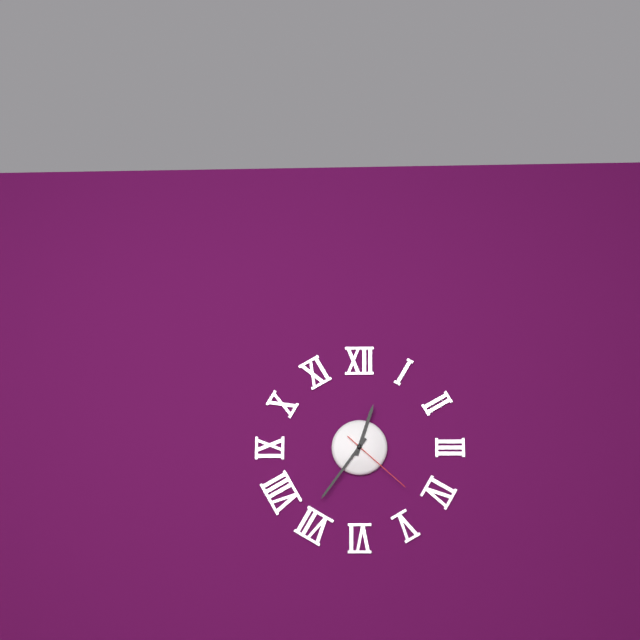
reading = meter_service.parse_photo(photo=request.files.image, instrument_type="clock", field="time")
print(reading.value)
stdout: 12:36:22
